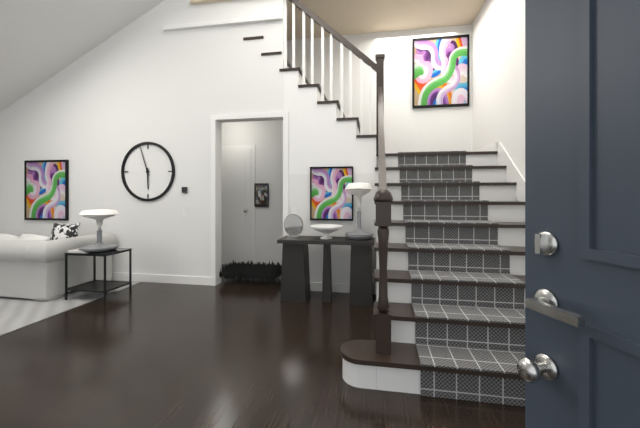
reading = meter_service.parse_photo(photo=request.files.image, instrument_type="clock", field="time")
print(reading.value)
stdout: 5:57
